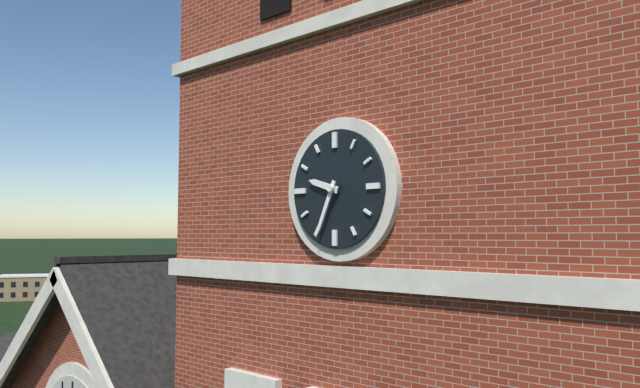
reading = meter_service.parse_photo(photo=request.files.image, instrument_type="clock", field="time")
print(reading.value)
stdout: 9:34
